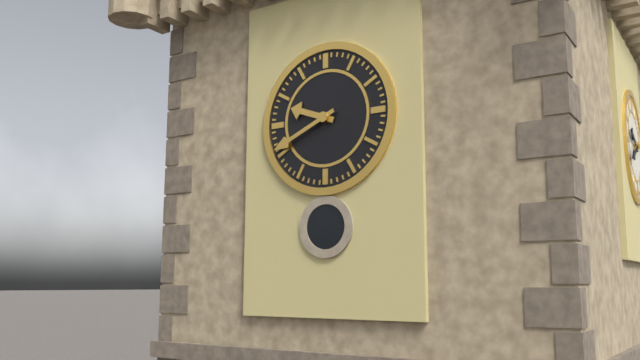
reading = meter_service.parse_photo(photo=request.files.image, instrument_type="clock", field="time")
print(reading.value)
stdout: 9:41
